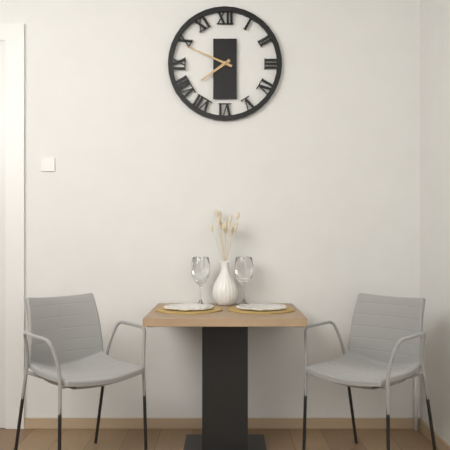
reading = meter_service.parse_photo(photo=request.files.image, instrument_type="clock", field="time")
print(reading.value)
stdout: 7:49
